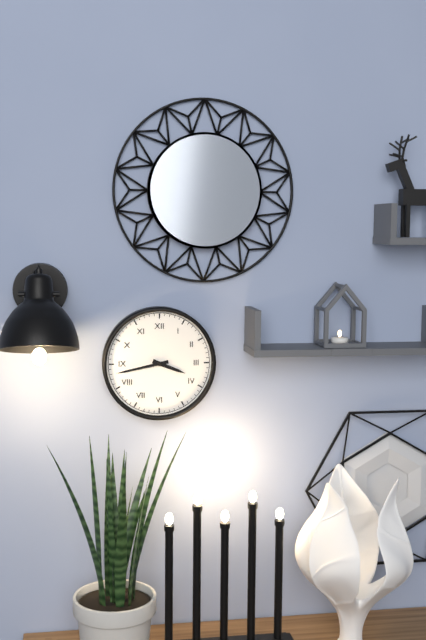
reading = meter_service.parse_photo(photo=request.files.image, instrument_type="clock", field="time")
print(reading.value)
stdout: 3:43
